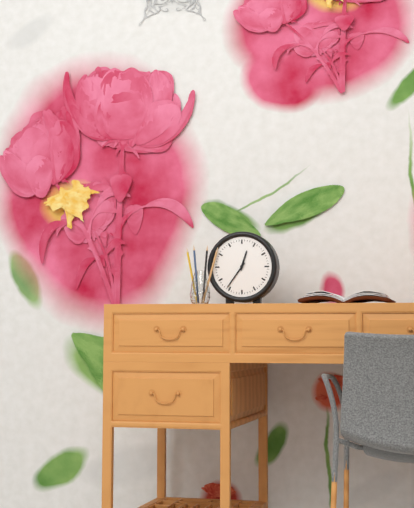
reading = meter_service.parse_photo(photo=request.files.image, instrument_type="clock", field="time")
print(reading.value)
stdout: 12:36
